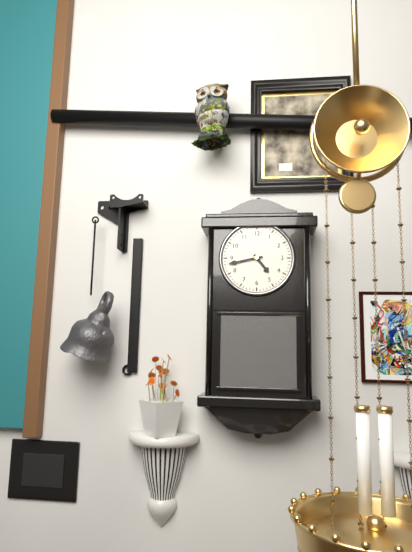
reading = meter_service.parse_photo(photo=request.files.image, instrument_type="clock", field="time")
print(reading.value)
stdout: 4:43
